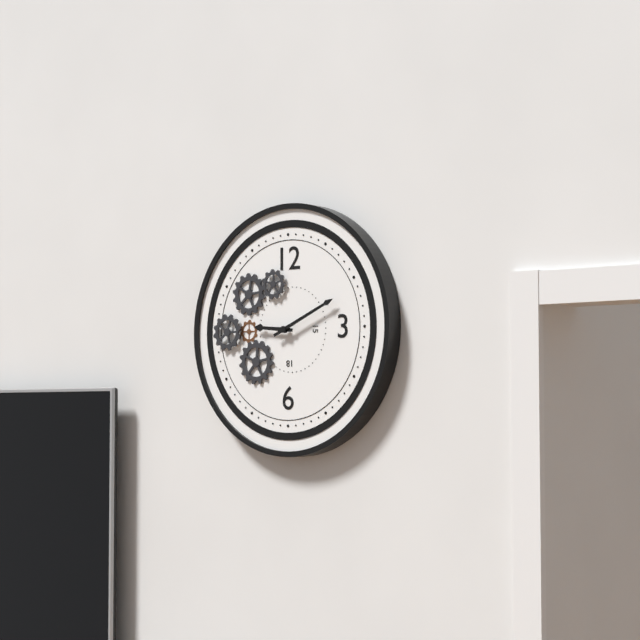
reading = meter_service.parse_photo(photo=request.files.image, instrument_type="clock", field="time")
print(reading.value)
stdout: 9:11
